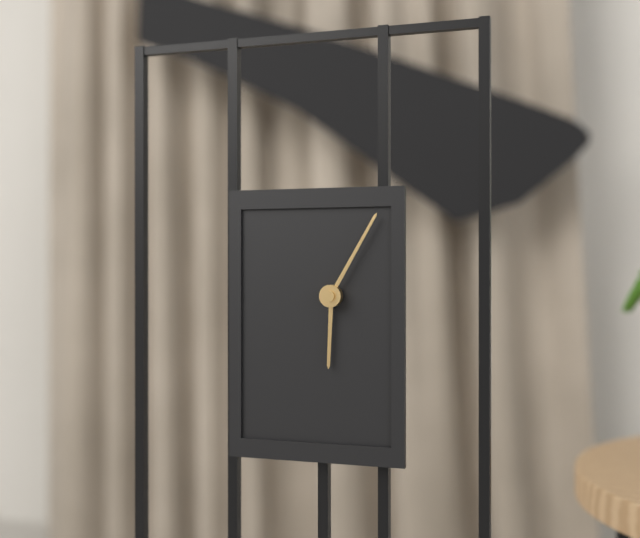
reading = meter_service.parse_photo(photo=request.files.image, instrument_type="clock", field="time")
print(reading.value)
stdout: 6:05
